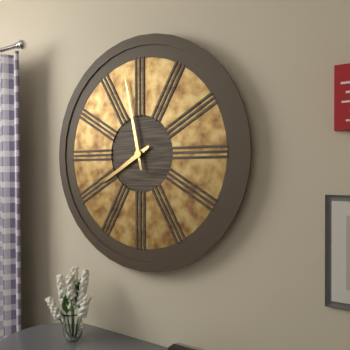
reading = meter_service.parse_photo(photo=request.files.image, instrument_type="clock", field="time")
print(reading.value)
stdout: 7:58
